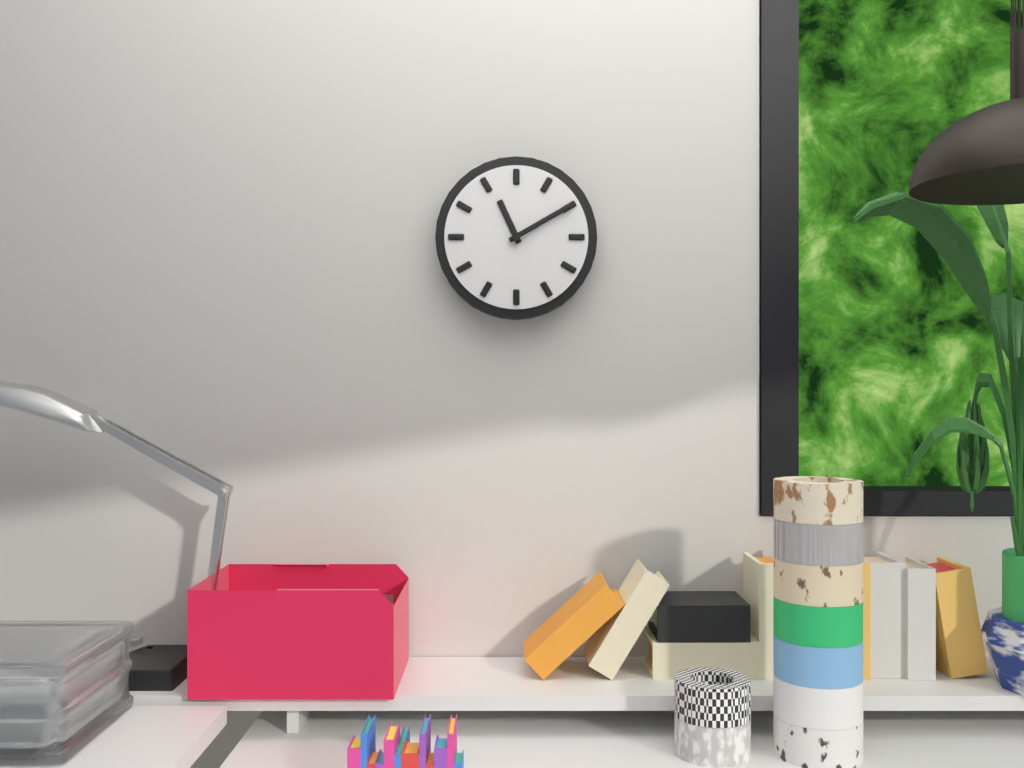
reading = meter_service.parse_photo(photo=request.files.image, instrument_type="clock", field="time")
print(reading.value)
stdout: 11:10
